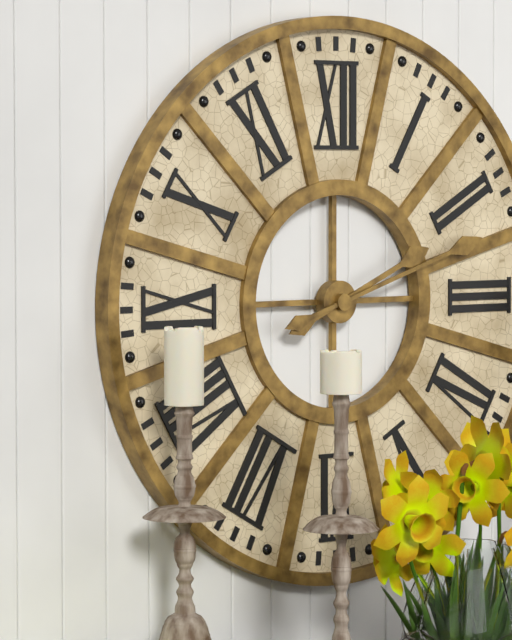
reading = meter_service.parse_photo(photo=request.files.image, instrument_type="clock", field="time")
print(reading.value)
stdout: 2:12
